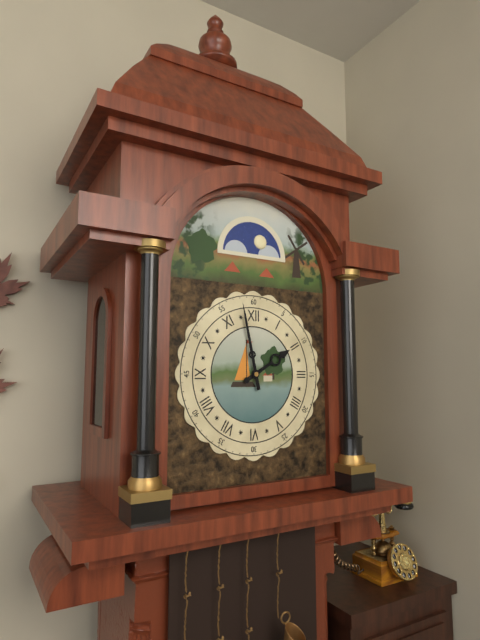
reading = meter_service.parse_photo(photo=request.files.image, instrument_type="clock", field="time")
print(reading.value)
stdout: 1:58
